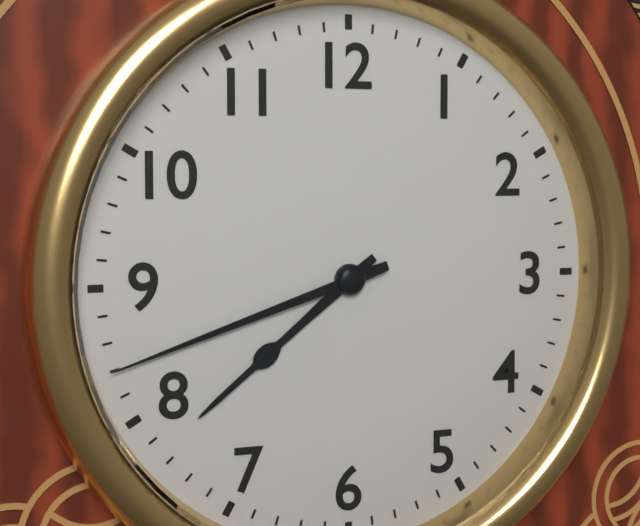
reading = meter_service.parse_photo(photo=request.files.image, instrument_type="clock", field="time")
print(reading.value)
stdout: 7:42
